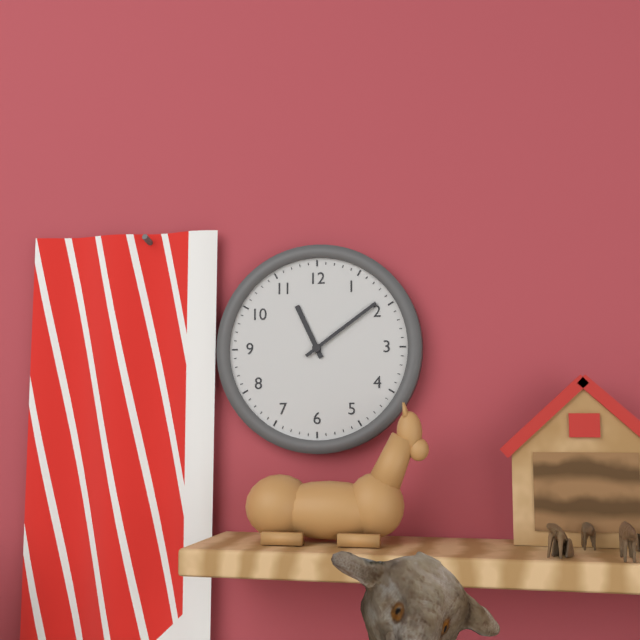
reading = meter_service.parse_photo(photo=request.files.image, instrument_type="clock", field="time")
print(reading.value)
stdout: 11:09
